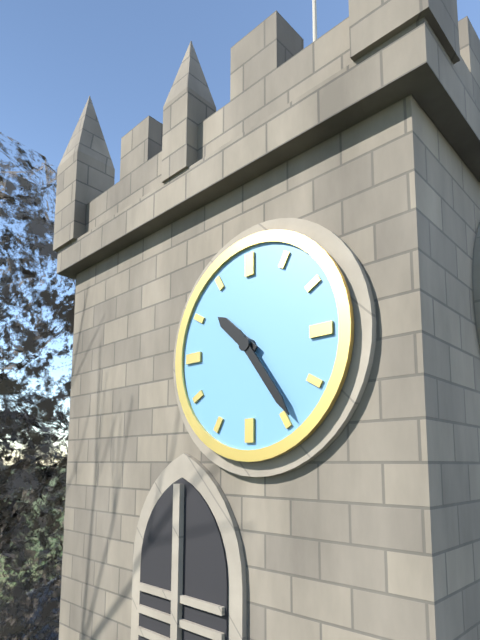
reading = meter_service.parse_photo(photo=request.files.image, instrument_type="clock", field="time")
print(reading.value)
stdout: 10:24
